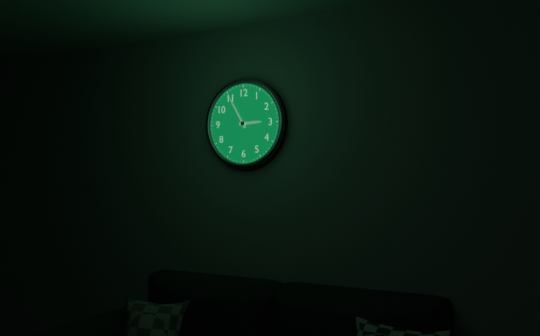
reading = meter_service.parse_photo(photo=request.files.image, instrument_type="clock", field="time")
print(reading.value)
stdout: 2:55
